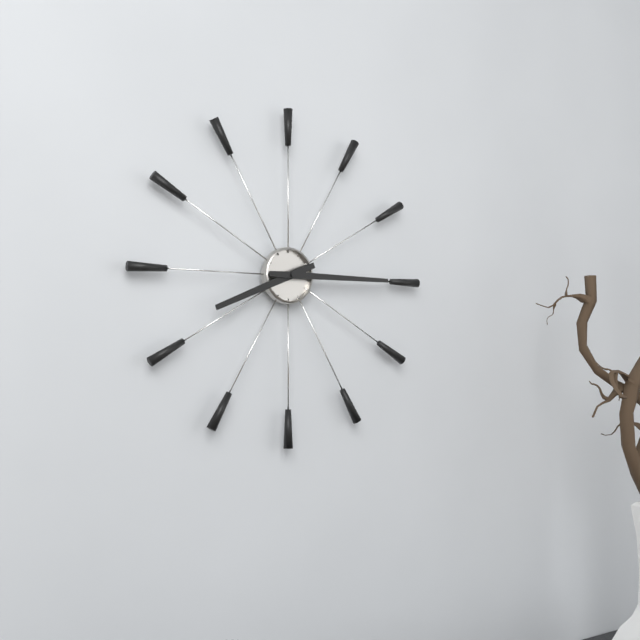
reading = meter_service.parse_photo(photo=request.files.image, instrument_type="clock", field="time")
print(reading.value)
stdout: 8:15
